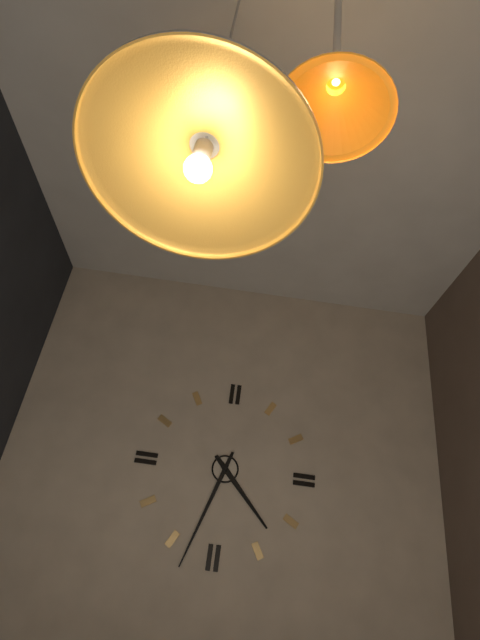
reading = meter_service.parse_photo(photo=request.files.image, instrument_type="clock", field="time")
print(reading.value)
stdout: 4:33
